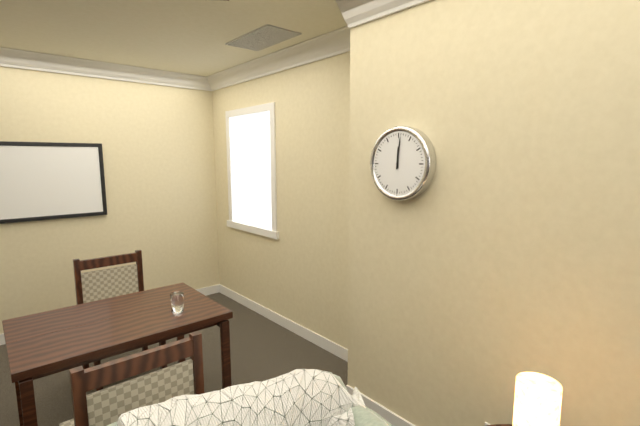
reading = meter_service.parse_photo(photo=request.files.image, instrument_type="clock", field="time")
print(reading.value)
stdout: 12:01
